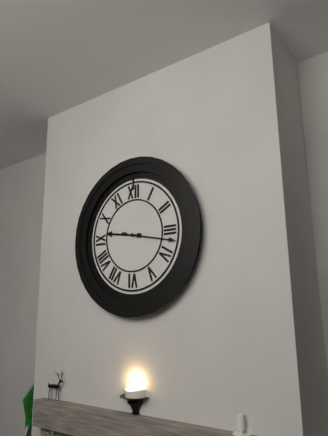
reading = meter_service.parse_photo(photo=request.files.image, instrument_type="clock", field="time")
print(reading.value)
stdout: 9:17
